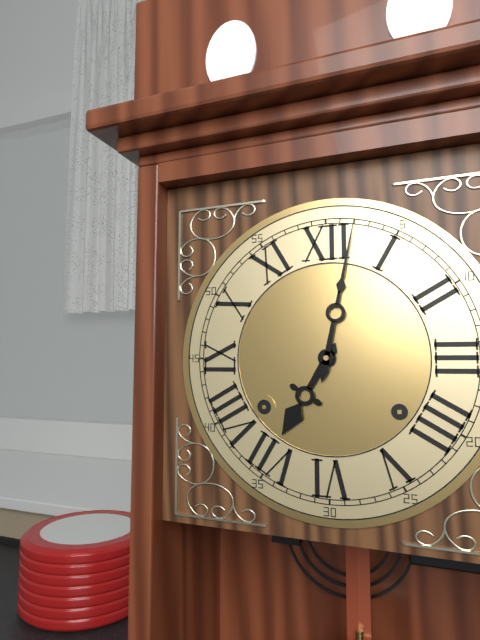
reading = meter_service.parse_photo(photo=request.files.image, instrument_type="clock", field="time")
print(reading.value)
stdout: 7:02
